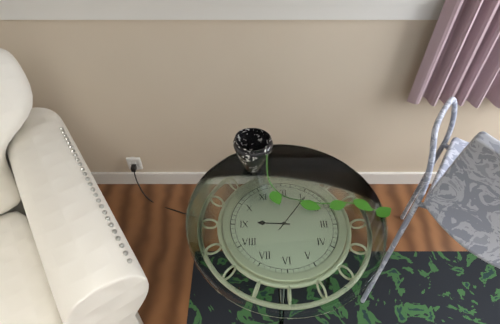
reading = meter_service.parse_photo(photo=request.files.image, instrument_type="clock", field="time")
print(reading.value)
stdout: 9:06
